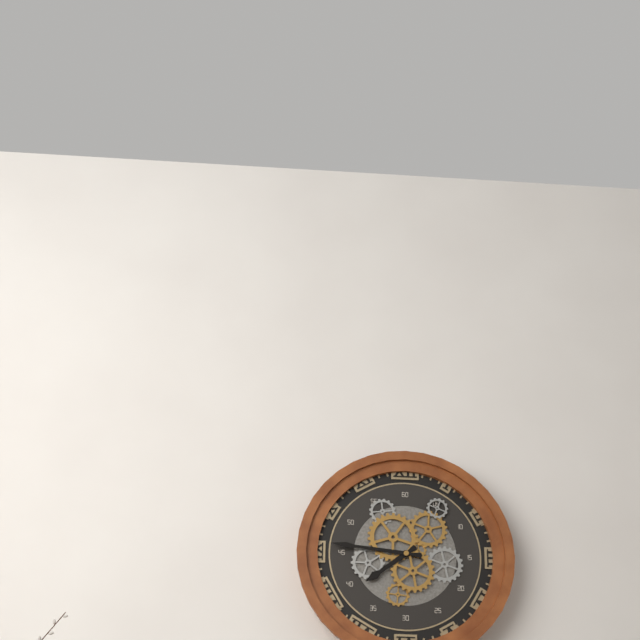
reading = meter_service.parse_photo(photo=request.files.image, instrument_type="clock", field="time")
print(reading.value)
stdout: 7:46
